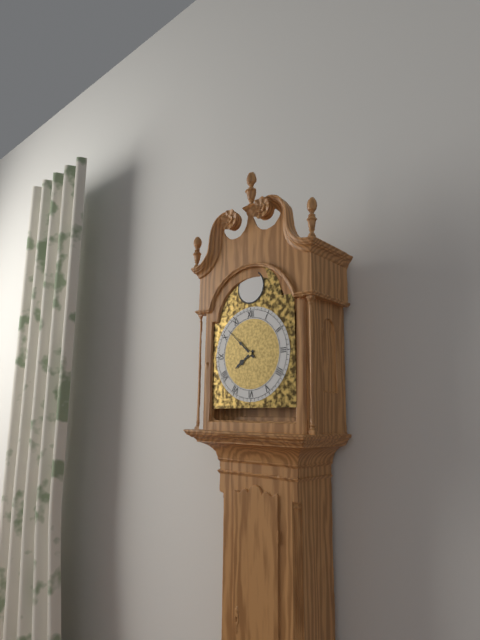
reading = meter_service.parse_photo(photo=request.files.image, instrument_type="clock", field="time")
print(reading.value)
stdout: 7:52
